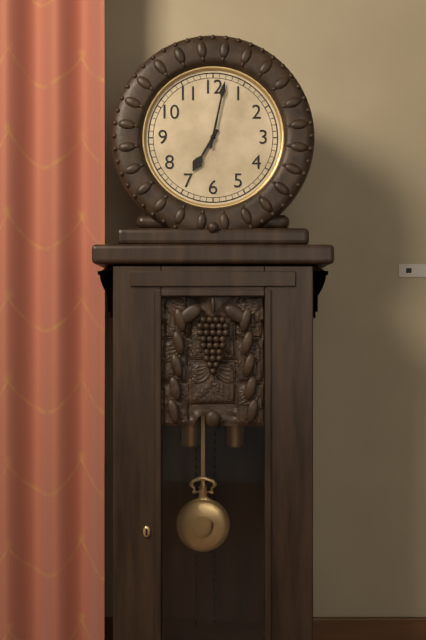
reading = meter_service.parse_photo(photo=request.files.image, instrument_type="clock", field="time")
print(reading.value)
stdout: 7:02
